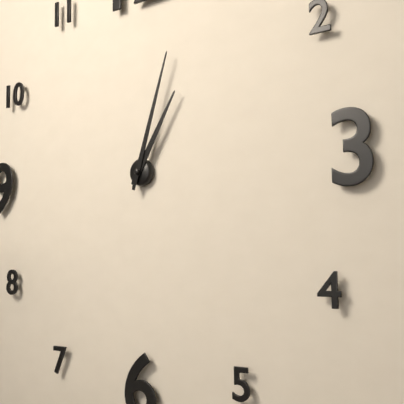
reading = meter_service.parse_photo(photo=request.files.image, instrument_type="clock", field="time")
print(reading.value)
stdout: 1:03
